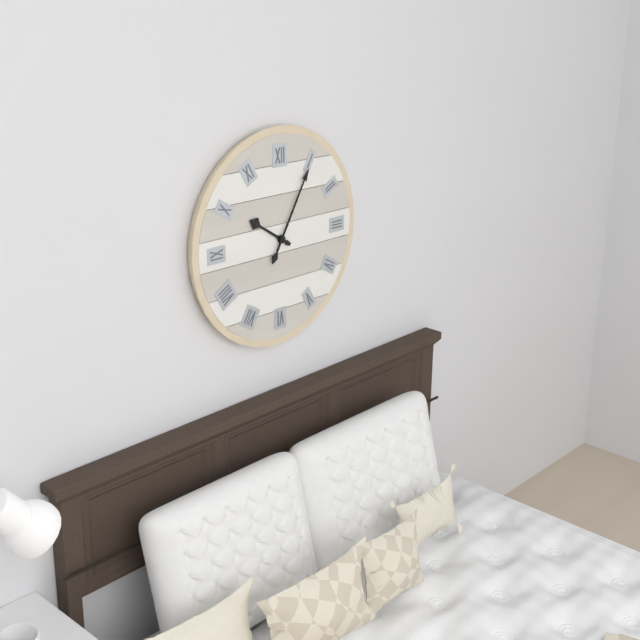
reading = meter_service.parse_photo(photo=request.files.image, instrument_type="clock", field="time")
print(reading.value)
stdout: 10:05
